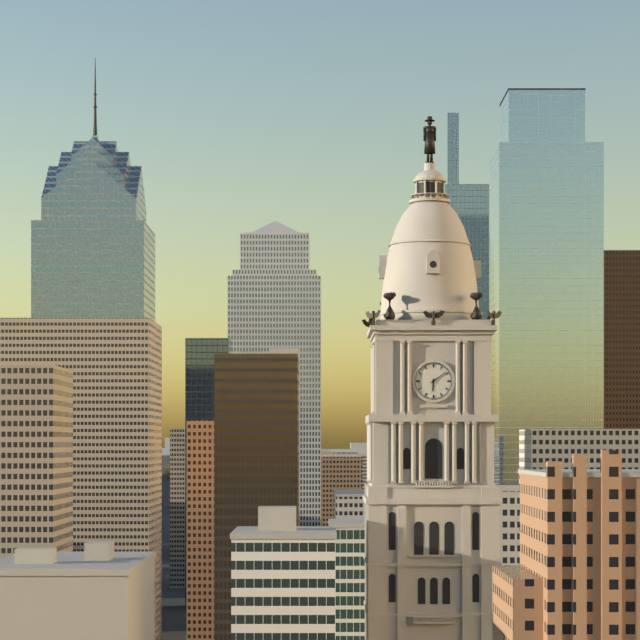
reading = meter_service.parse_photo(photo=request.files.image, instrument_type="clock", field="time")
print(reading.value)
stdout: 6:09
